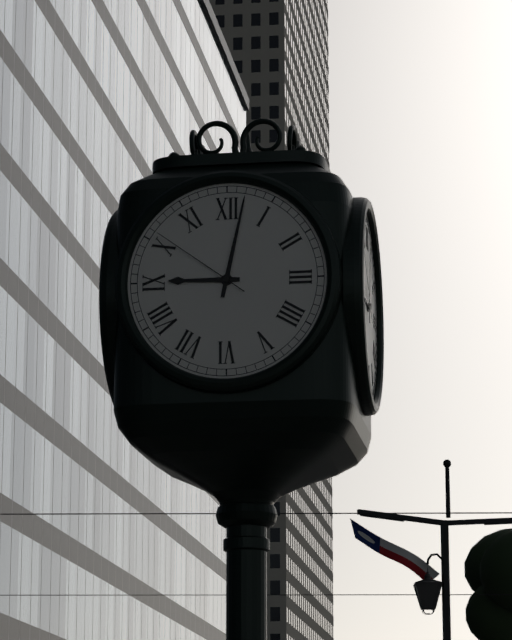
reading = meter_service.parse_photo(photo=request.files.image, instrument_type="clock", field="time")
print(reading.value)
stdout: 9:02:51
